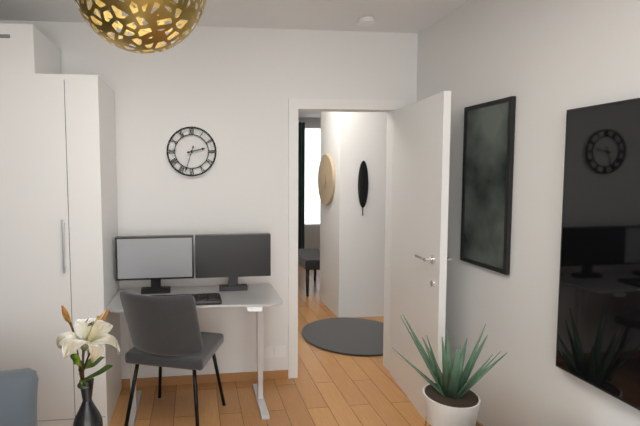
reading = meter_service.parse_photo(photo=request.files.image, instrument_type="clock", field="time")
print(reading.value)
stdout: 2:33
